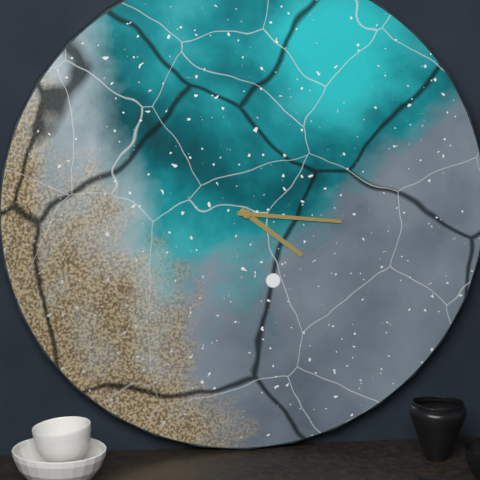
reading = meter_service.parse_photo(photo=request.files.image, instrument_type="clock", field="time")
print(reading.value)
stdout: 4:16
